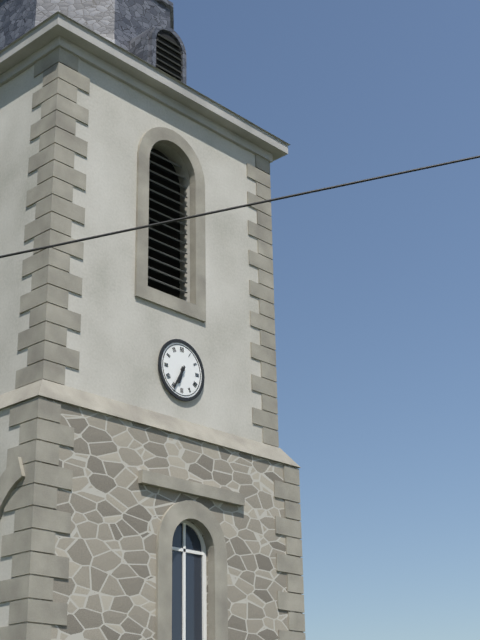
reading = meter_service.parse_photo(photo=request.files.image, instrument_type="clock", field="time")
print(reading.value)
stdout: 6:35
